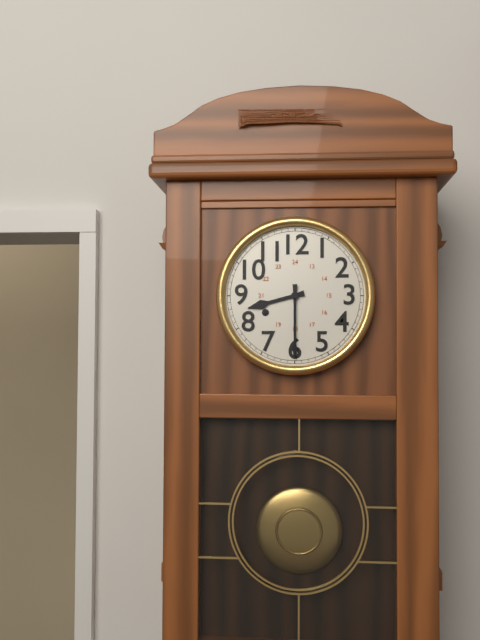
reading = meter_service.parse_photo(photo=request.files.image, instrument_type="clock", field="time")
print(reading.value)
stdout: 8:30
